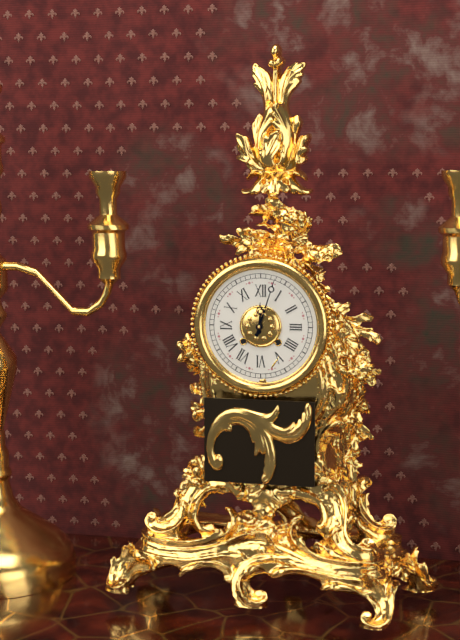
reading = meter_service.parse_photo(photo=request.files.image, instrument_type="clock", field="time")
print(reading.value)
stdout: 12:03
